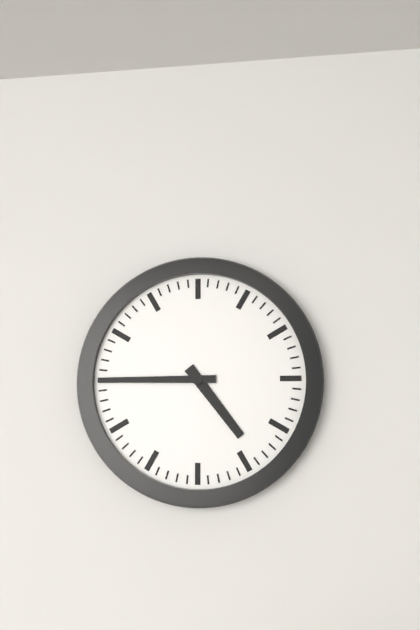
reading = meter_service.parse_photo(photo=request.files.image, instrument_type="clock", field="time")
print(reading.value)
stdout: 4:45
